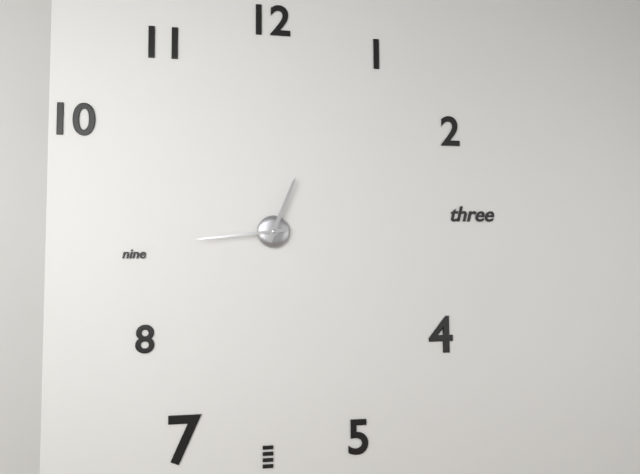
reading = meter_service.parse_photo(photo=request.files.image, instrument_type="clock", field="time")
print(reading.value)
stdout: 12:44
